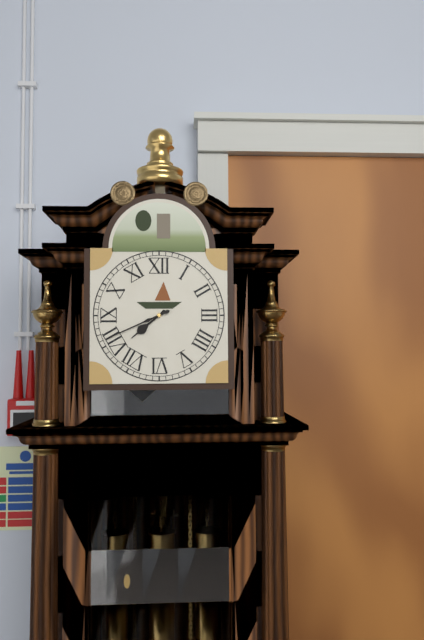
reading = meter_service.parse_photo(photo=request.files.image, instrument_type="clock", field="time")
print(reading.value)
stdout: 7:41
